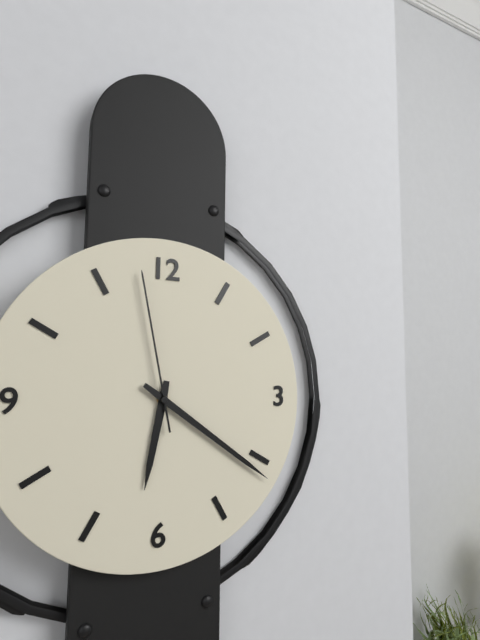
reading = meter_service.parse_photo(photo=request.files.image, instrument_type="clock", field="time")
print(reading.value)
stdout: 6:21:58
